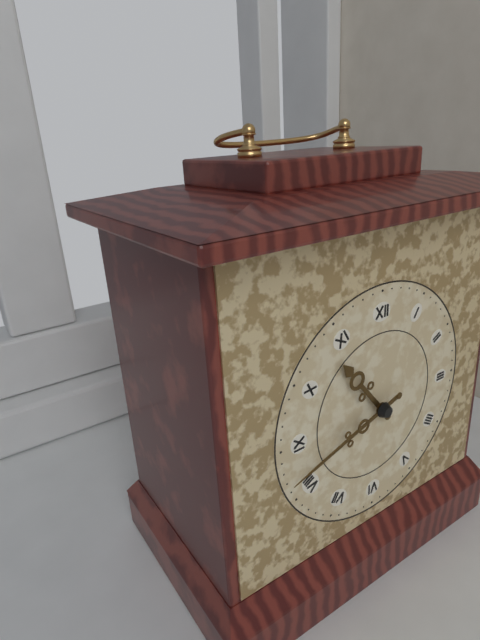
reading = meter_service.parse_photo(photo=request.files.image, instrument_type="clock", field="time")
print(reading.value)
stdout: 10:42
